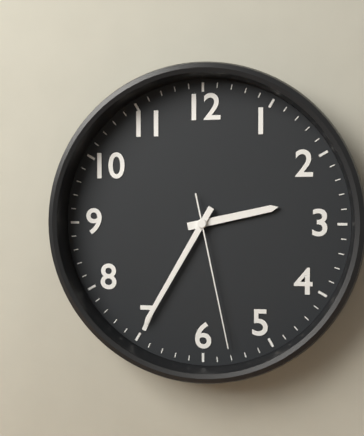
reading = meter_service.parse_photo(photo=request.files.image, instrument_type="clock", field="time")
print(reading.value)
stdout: 2:35:28
